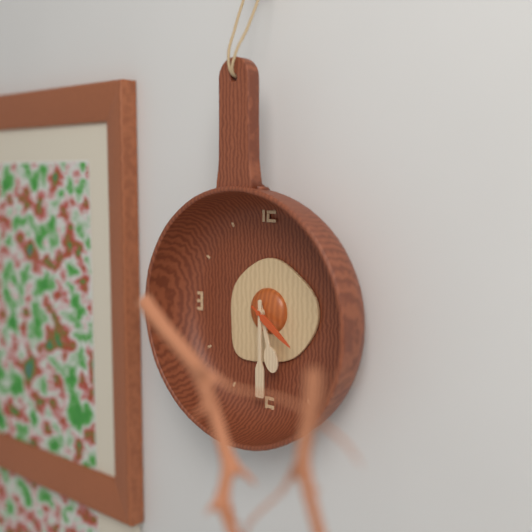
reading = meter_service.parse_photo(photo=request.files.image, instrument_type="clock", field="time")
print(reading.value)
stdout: 5:30:21
